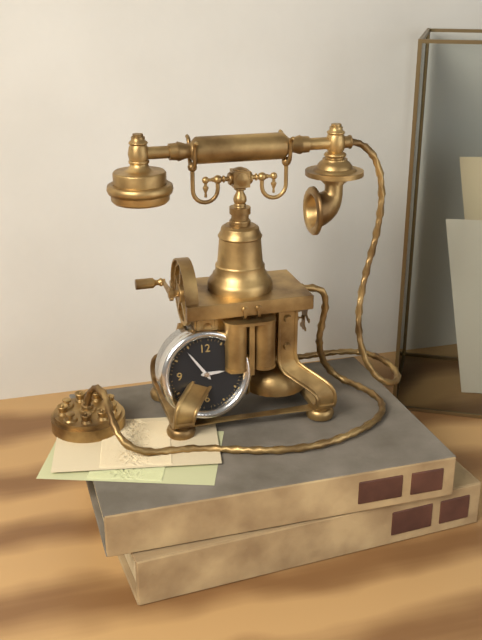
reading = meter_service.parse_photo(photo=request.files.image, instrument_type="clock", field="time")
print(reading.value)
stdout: 2:54
